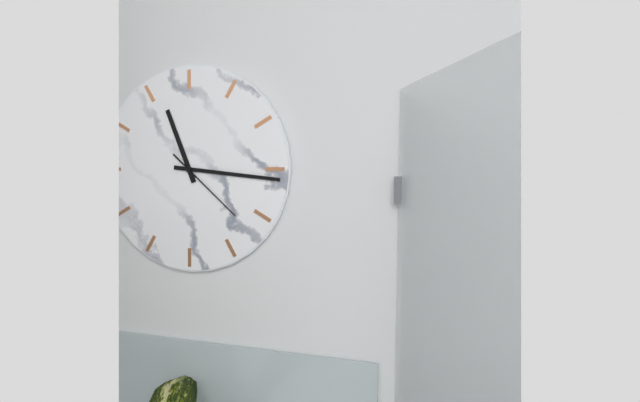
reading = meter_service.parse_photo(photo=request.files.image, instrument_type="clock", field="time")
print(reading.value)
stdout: 11:16:22
